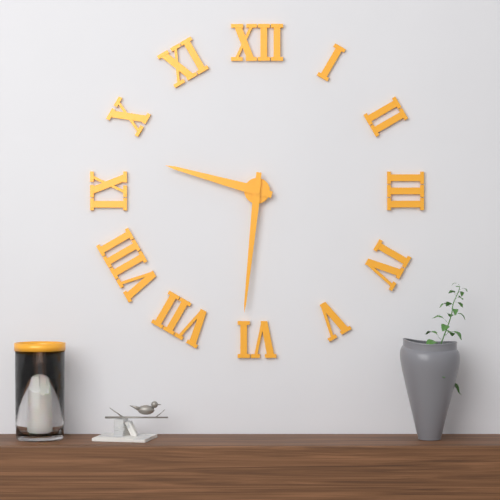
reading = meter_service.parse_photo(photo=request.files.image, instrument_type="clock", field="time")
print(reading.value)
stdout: 9:31
